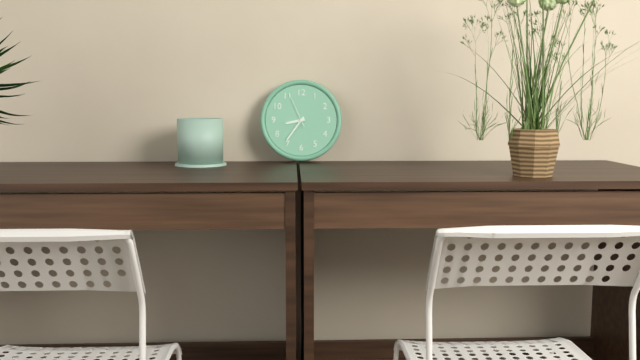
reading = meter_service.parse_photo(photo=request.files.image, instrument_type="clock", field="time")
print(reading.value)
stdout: 8:36
